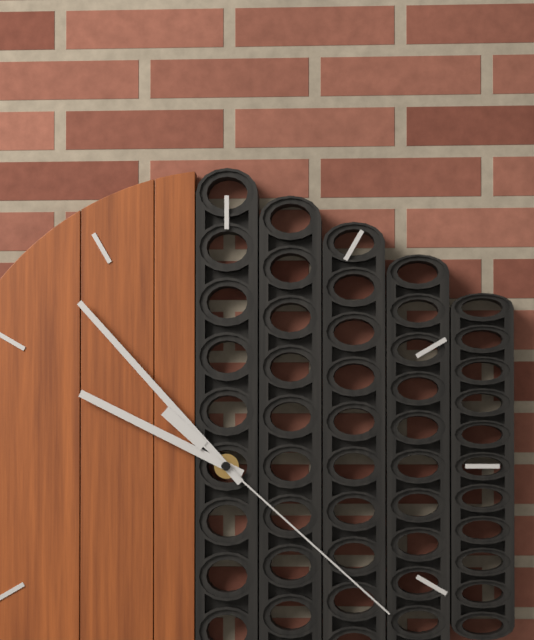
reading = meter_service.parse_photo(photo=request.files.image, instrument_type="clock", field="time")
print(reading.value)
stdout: 9:53:22
